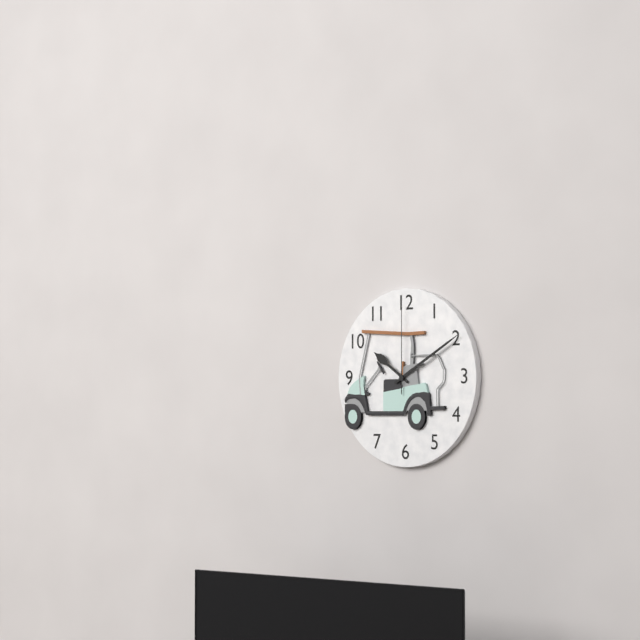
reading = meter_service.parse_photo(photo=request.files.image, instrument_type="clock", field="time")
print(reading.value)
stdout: 10:10:00
